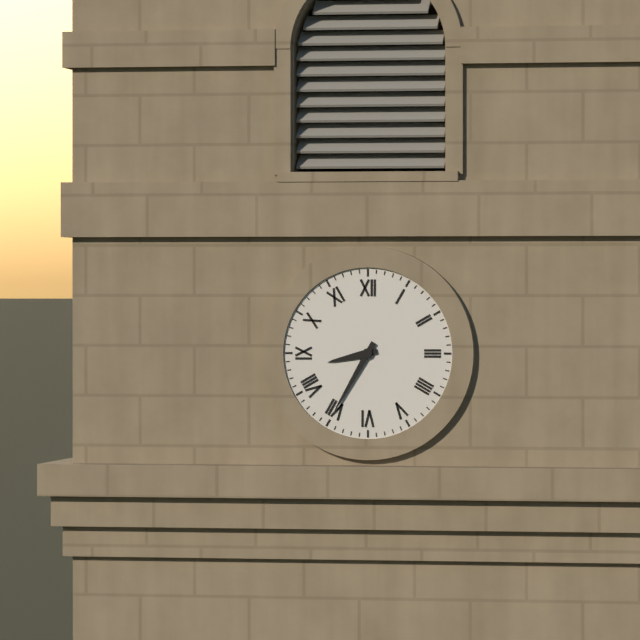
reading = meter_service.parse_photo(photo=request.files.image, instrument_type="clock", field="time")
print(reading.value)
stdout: 8:35
